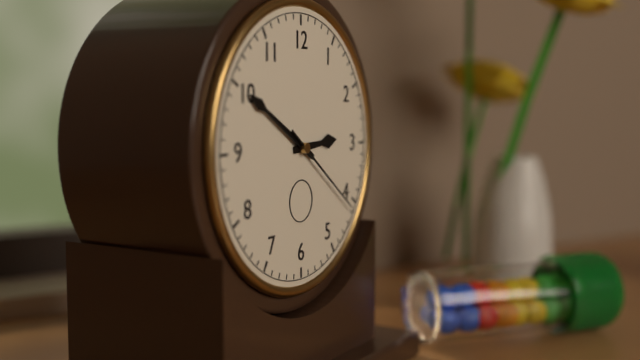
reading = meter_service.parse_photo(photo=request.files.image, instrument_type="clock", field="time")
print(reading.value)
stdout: 2:50:21
